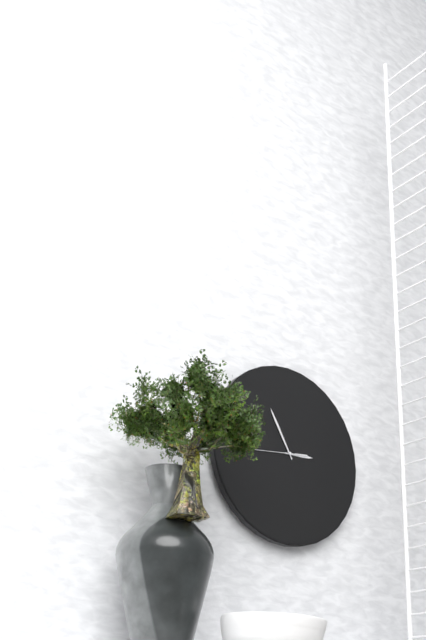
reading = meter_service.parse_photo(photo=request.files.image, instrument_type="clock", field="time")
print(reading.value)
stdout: 2:55
